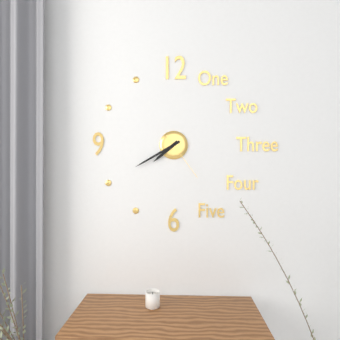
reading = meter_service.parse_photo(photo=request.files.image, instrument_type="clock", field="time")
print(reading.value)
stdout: 7:40:24
